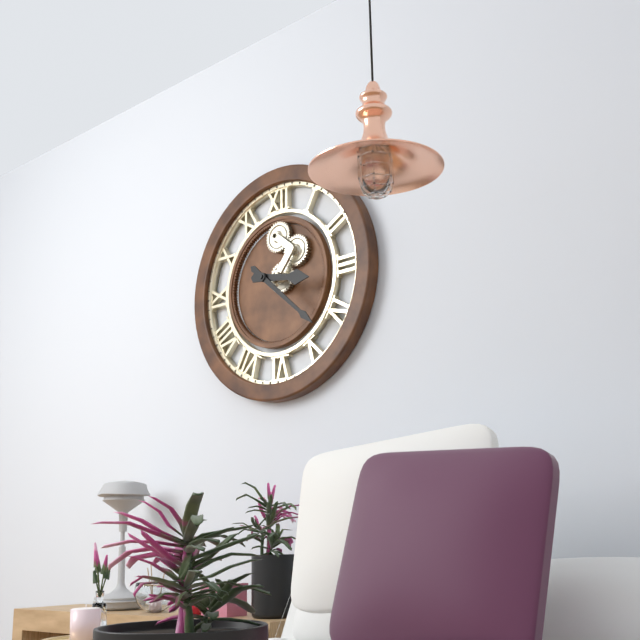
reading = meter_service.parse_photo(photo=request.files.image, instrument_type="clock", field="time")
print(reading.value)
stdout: 3:22
